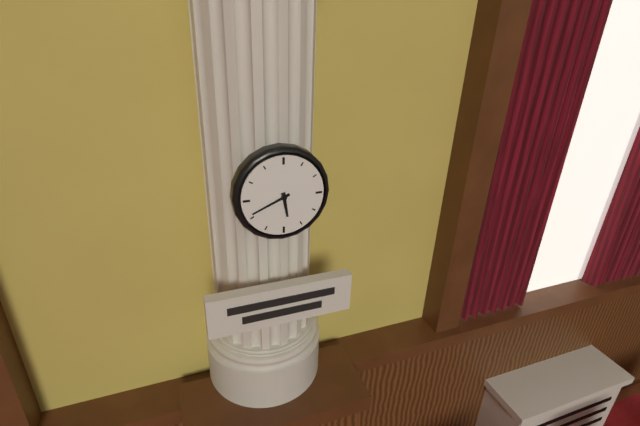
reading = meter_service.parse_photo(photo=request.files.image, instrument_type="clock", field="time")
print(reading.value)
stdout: 5:41
